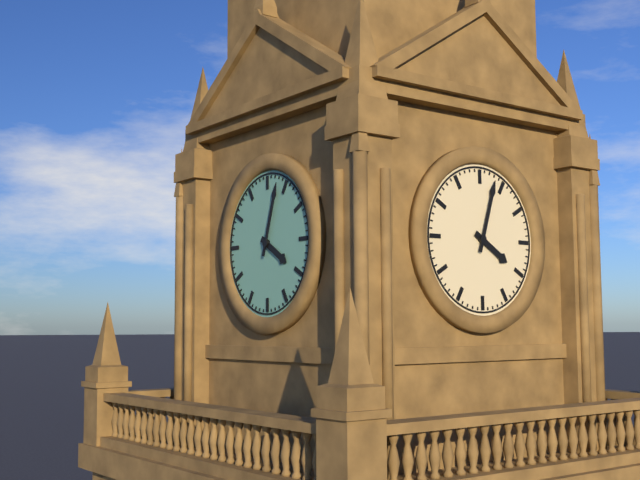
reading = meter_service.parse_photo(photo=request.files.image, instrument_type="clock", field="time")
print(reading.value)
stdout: 4:03
